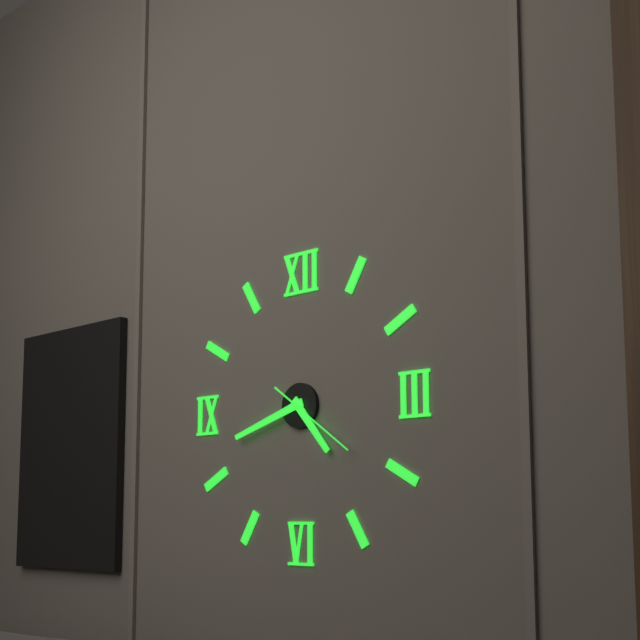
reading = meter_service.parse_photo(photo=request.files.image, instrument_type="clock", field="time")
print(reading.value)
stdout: 4:42:21
